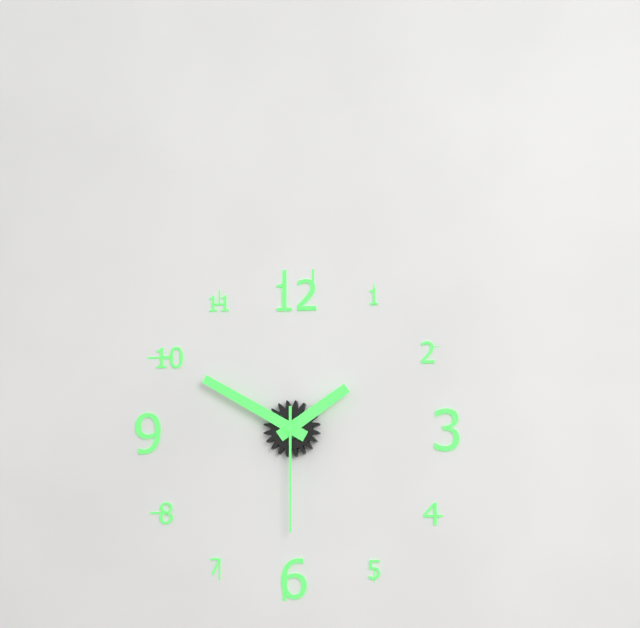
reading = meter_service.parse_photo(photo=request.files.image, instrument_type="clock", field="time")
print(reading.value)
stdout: 1:50:30
